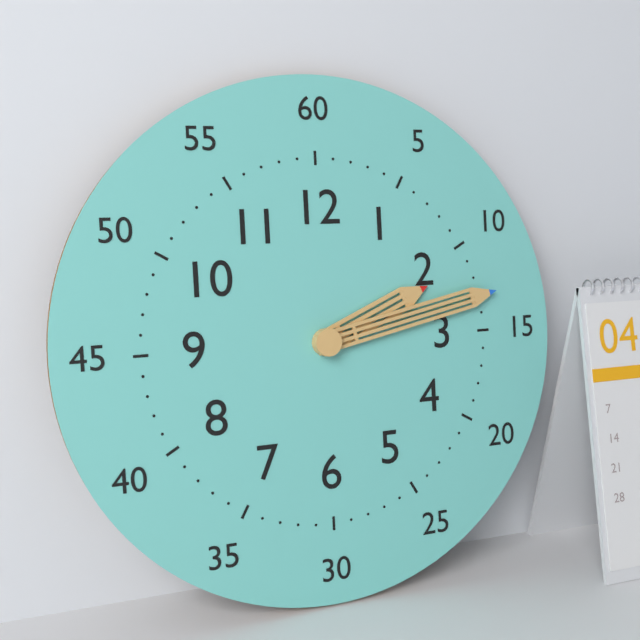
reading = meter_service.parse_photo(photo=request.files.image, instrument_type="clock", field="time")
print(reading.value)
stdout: 2:13
